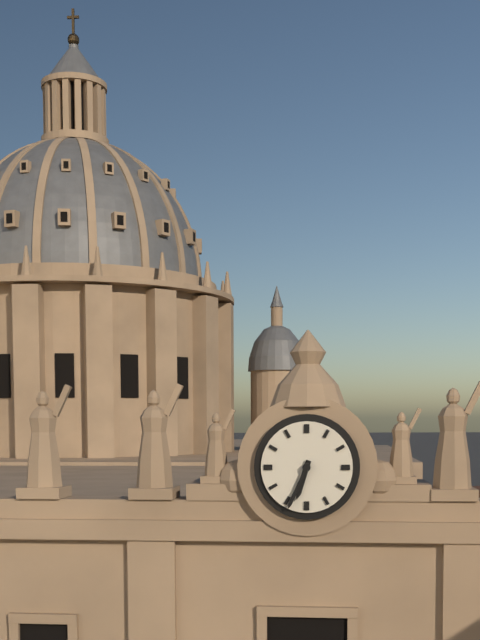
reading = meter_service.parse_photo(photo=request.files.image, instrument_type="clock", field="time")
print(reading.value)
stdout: 6:34
